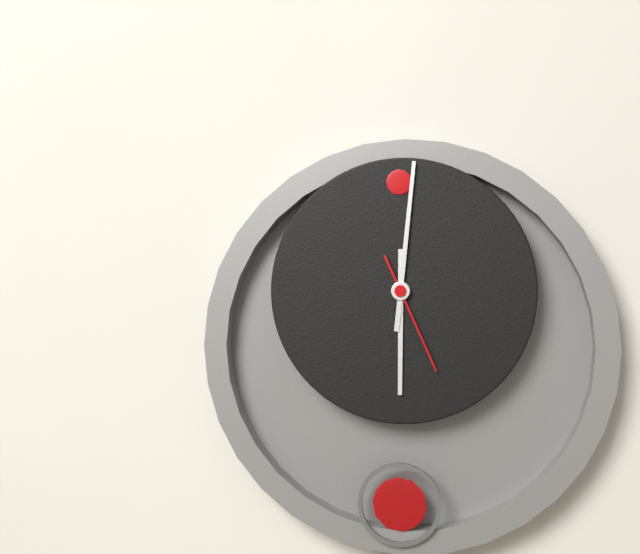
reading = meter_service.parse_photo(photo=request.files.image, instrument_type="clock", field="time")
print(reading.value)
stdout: 6:01:26
